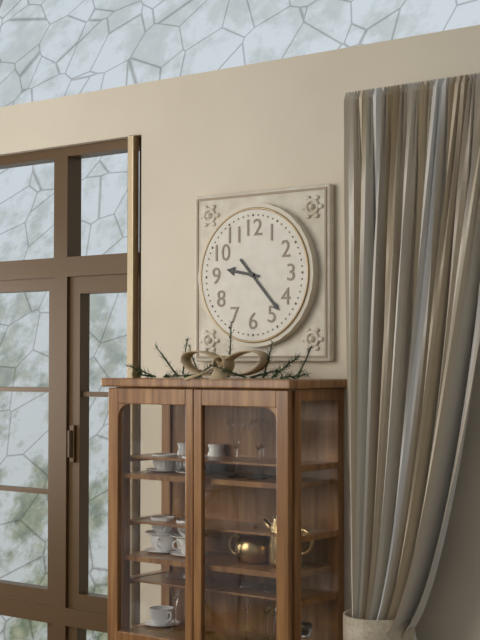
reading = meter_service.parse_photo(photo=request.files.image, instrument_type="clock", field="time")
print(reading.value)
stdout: 9:23
